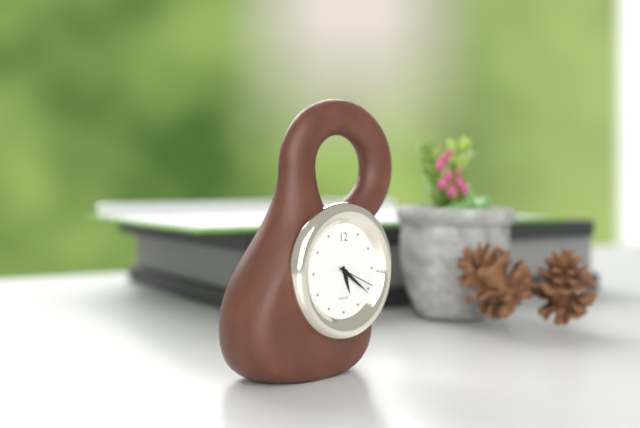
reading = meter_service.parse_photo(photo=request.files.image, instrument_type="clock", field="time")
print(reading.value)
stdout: 5:21
